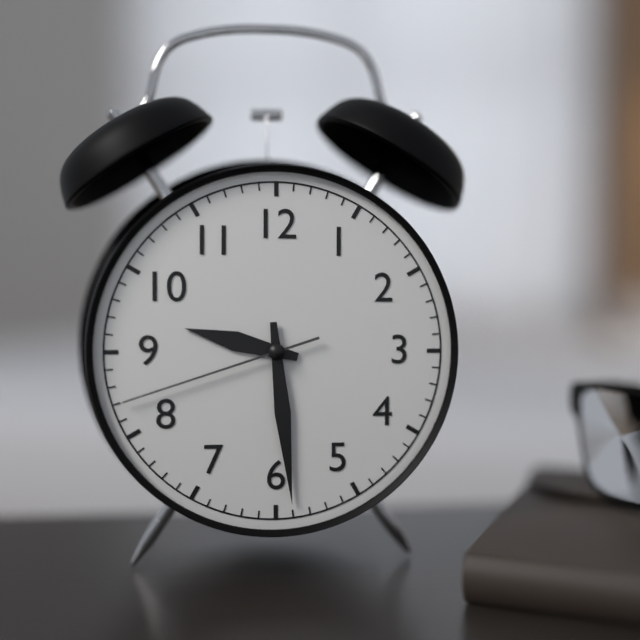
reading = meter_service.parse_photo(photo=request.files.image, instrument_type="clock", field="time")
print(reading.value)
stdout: 9:29:42
